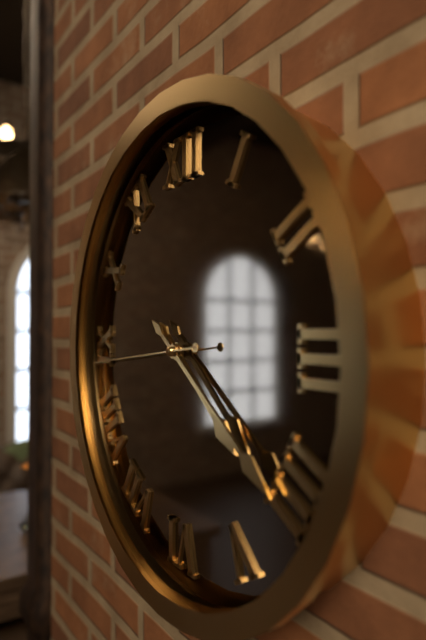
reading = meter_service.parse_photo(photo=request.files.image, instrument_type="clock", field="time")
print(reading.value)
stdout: 4:21:44
